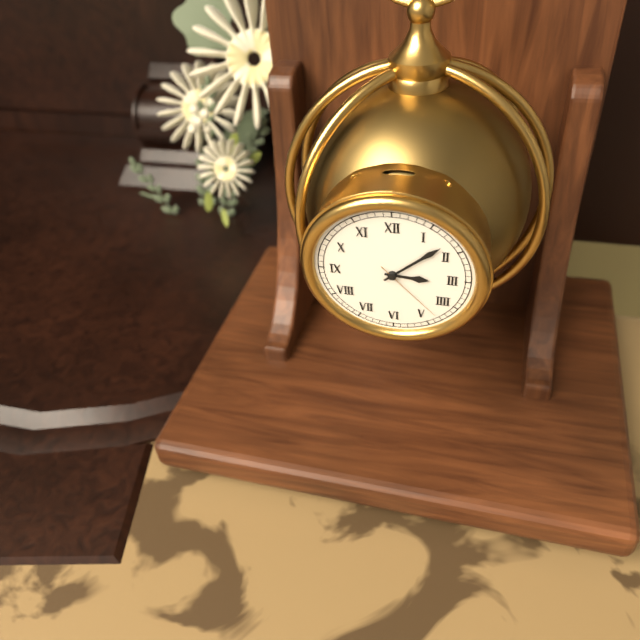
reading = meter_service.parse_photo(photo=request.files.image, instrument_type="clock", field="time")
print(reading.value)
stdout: 3:08:23
